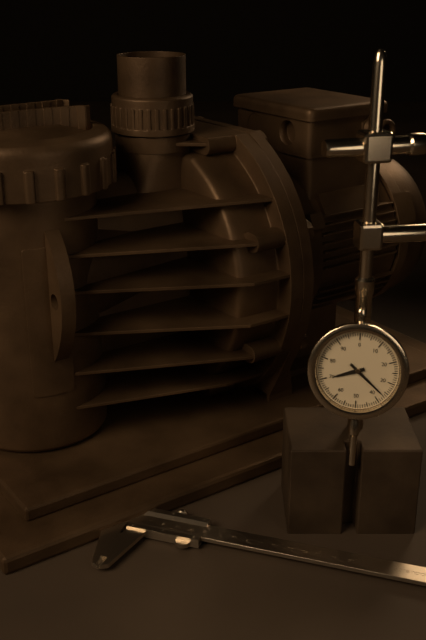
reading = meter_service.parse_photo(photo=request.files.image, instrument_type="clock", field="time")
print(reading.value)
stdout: 8:22
